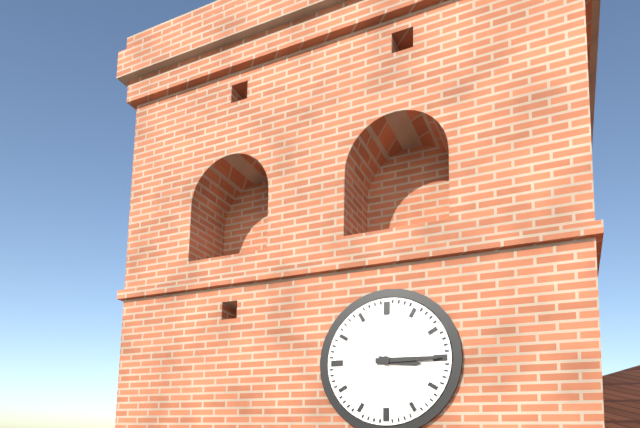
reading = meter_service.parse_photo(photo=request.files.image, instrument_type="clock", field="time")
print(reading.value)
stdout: 3:15
